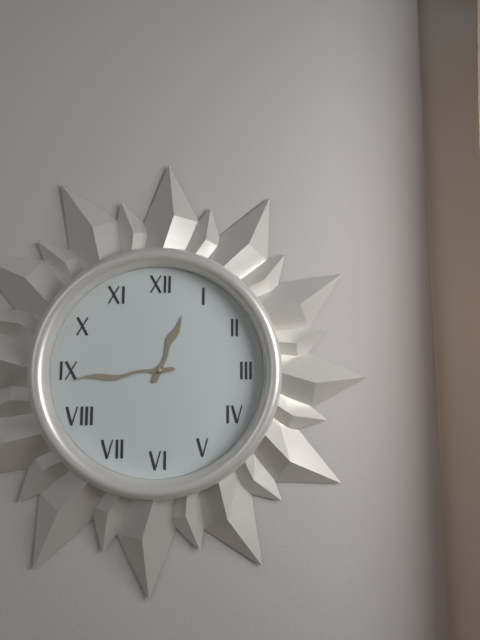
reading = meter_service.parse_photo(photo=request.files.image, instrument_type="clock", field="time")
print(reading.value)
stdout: 12:44
